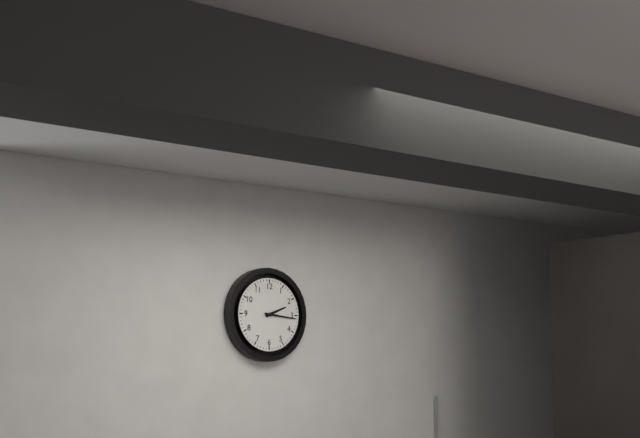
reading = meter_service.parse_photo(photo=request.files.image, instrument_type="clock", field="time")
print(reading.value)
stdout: 2:16
